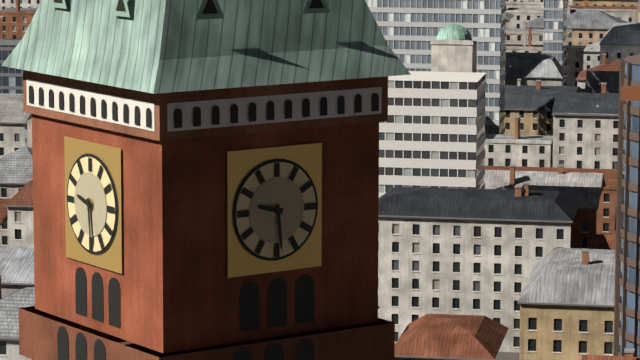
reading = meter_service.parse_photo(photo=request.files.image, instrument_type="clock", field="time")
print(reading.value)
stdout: 9:29
